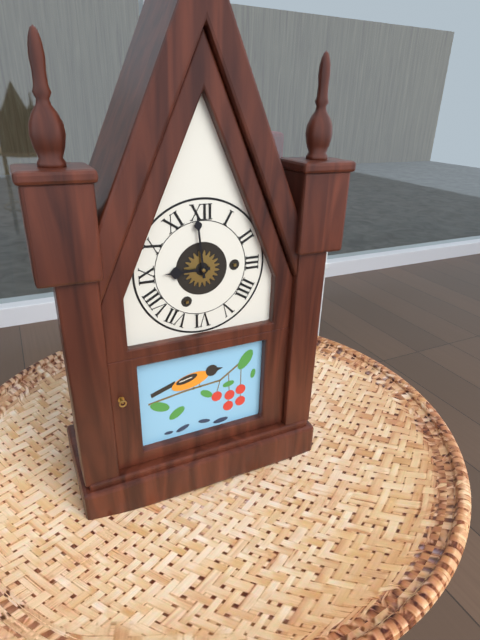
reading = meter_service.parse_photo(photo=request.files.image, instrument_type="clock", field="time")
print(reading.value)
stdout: 8:59
